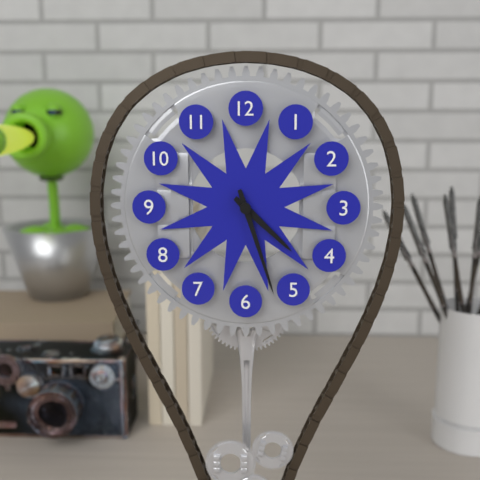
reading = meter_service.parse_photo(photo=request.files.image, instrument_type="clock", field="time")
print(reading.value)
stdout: 4:27
